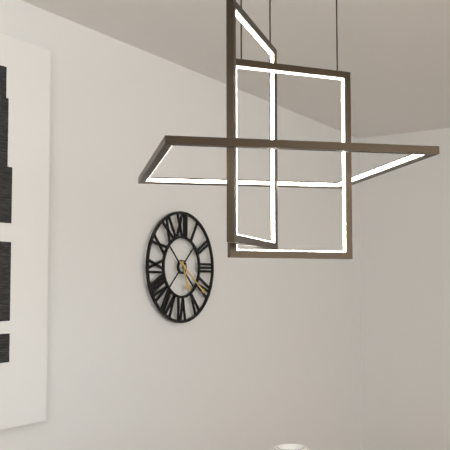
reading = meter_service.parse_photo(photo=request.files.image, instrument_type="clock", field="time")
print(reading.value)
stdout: 5:21
